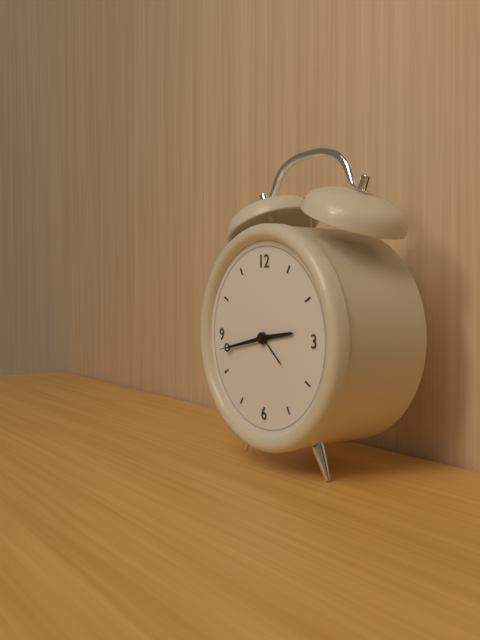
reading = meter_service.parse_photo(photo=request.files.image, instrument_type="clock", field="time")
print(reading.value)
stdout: 2:43:43
